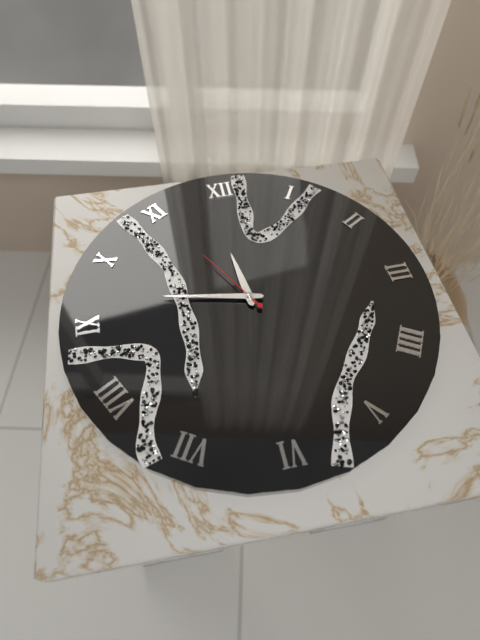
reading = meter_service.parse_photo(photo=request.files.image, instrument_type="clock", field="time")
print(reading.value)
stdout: 11:47:55
